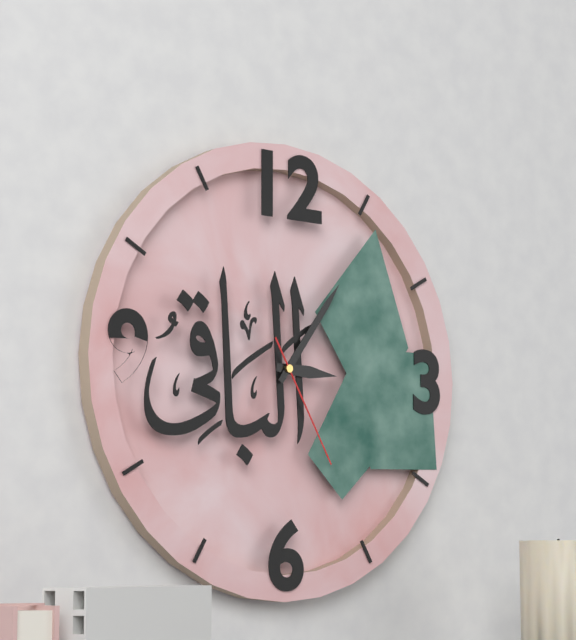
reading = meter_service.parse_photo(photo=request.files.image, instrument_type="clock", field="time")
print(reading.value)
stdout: 3:06:25
